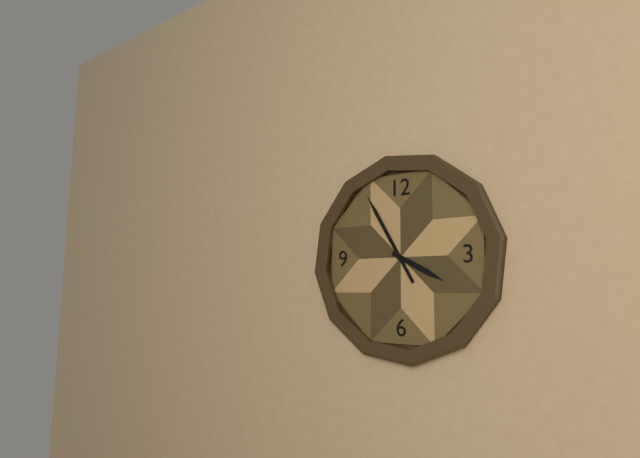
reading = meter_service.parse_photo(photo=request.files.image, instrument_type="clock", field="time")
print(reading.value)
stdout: 3:55
